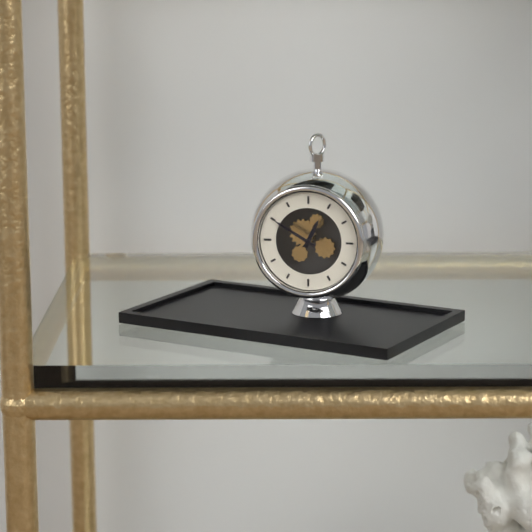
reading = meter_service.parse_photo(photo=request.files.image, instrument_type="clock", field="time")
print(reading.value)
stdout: 12:50
